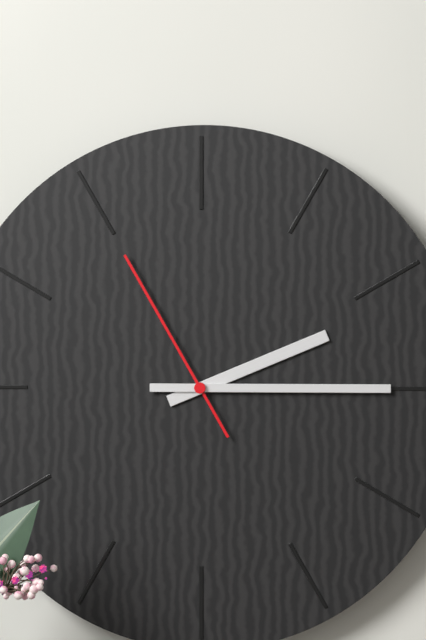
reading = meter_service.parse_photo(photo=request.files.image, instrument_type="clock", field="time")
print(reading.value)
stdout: 2:15:55
